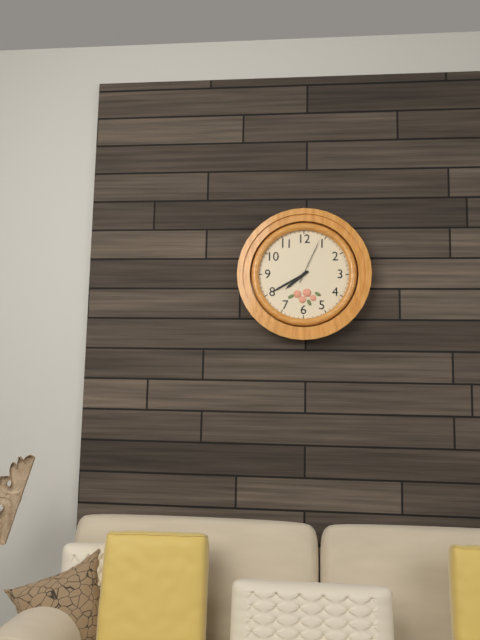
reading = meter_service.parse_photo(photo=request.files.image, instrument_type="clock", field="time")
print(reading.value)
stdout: 7:40
